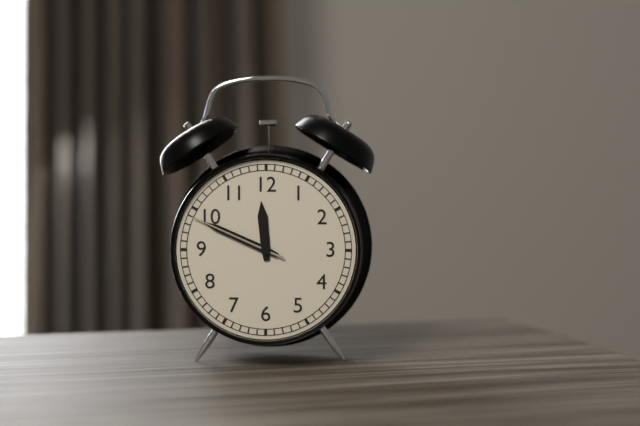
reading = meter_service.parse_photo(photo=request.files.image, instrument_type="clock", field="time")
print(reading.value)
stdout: 11:49:49
